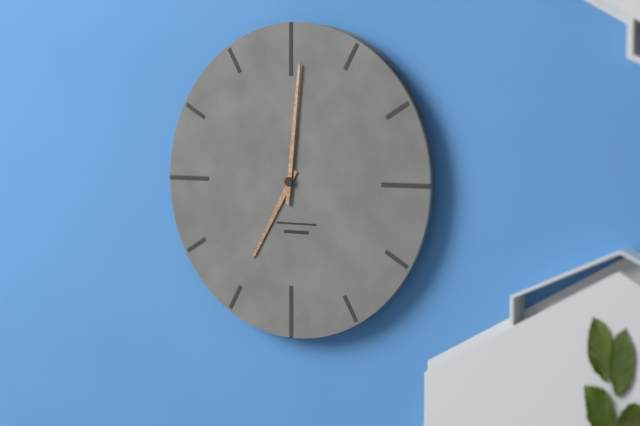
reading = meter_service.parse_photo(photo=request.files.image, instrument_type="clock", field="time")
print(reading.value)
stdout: 7:01
